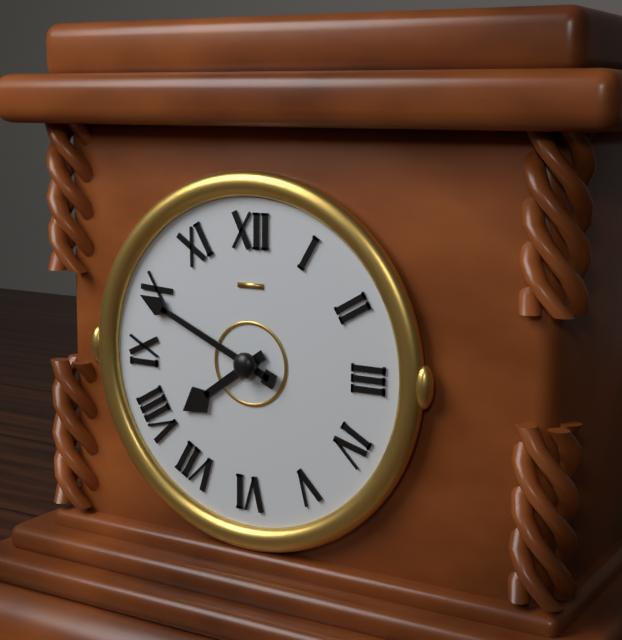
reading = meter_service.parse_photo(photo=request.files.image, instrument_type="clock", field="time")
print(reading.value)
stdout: 7:49
